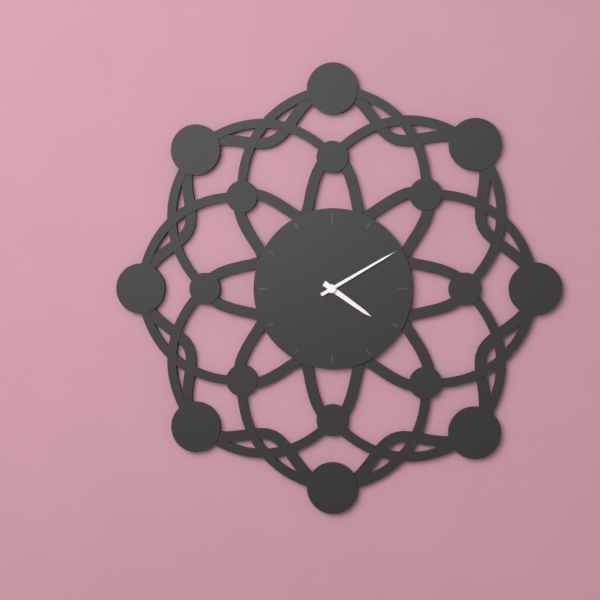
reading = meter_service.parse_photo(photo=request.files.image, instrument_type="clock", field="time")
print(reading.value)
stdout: 4:10
